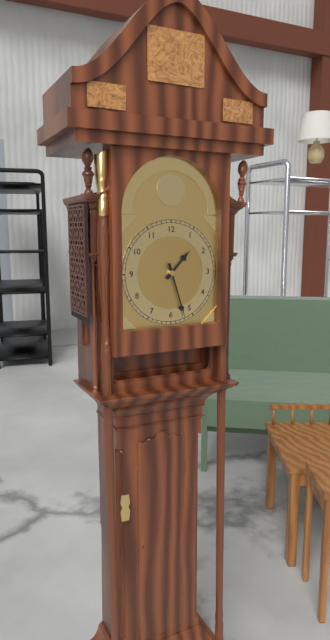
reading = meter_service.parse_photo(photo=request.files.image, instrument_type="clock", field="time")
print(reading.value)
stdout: 1:27
